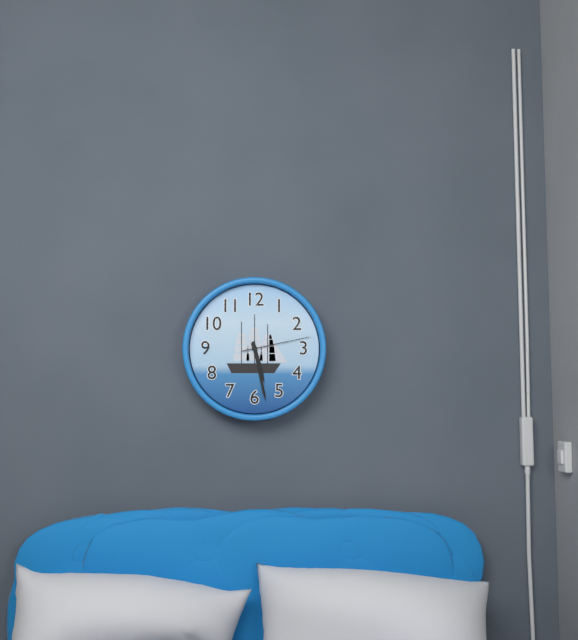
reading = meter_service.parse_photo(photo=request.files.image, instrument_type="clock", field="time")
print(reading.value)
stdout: 5:28:13
